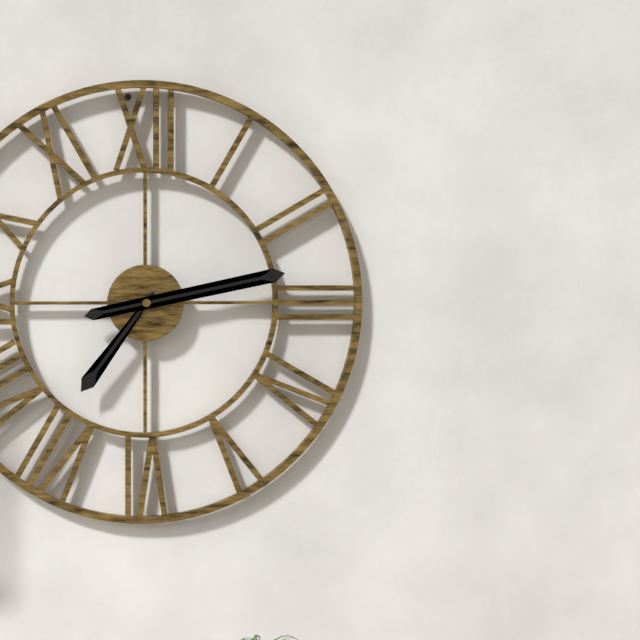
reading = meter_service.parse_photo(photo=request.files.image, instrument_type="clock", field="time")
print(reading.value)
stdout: 7:13
